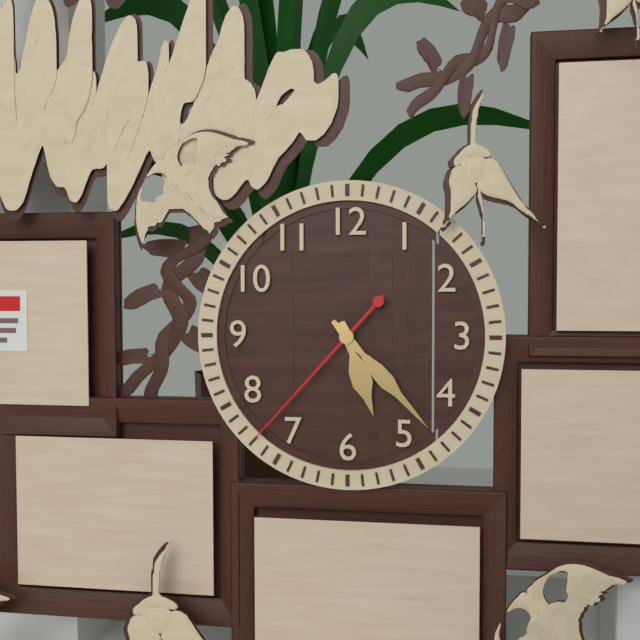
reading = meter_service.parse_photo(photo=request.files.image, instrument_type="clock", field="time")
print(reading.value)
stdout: 5:23:37
